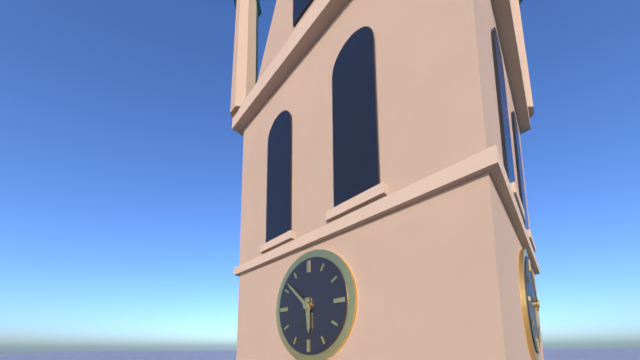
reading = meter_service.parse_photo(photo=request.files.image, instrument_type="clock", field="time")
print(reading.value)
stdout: 5:52
